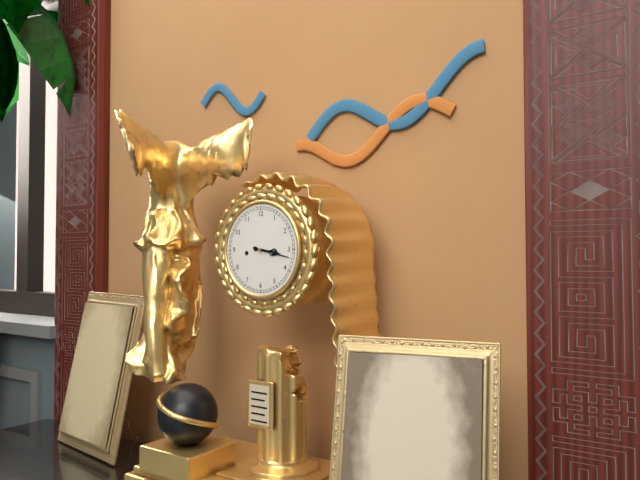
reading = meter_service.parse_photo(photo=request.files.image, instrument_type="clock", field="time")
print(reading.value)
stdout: 3:17
